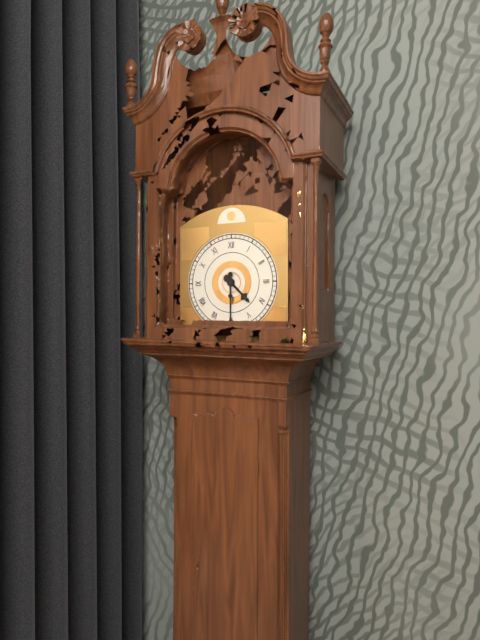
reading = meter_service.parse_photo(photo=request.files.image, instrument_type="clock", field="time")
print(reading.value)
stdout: 4:30
